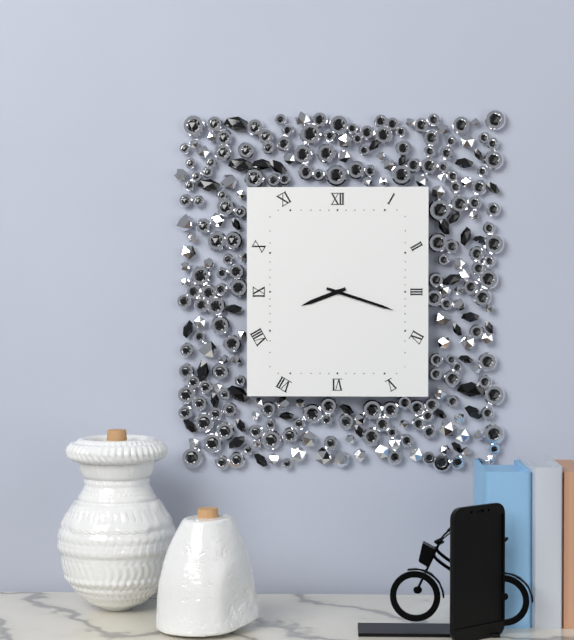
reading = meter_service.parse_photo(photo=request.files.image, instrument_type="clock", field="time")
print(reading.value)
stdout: 8:18
